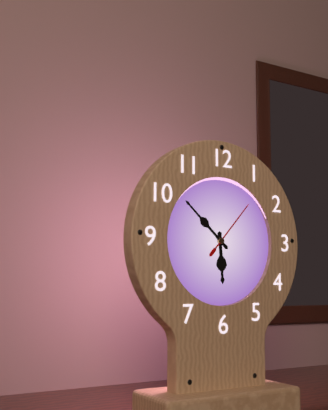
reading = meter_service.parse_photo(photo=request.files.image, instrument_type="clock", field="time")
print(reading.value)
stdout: 5:52:07
